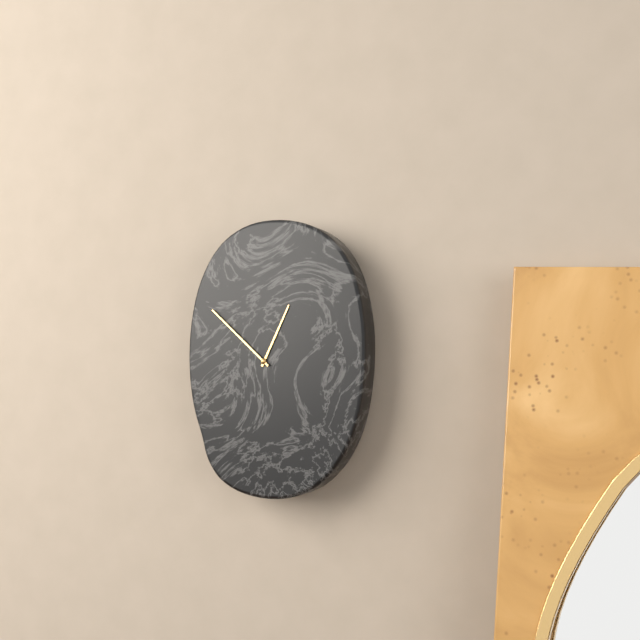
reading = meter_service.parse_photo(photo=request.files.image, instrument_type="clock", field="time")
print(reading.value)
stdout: 12:52
